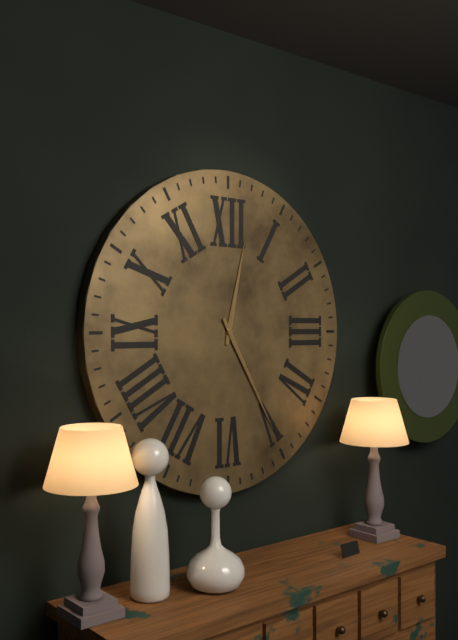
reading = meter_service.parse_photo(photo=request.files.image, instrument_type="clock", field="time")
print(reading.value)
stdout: 12:25
